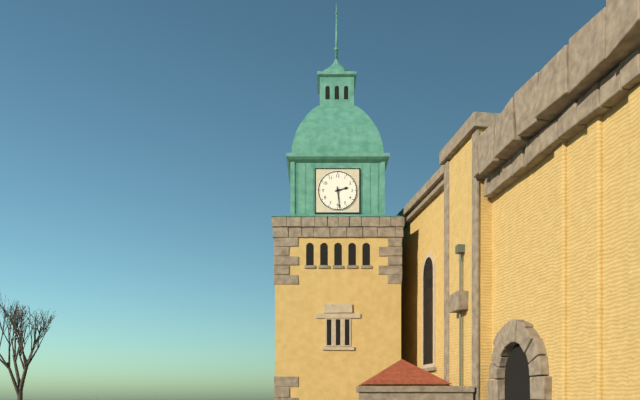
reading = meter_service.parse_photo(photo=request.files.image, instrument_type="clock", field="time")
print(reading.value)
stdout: 2:29
